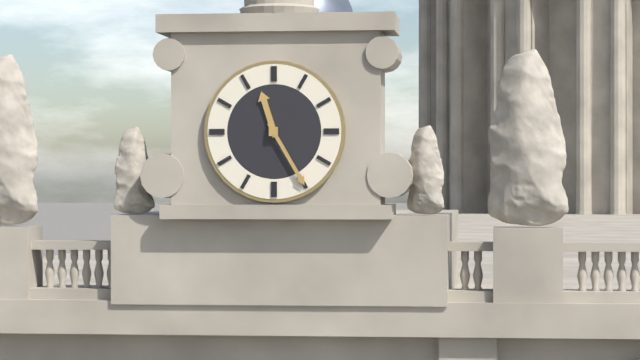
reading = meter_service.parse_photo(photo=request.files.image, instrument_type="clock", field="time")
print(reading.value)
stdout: 11:25
